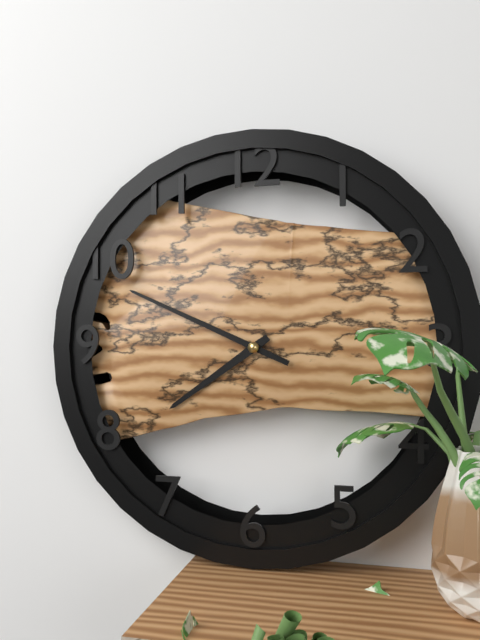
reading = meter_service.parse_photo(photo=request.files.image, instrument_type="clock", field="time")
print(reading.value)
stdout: 7:49
